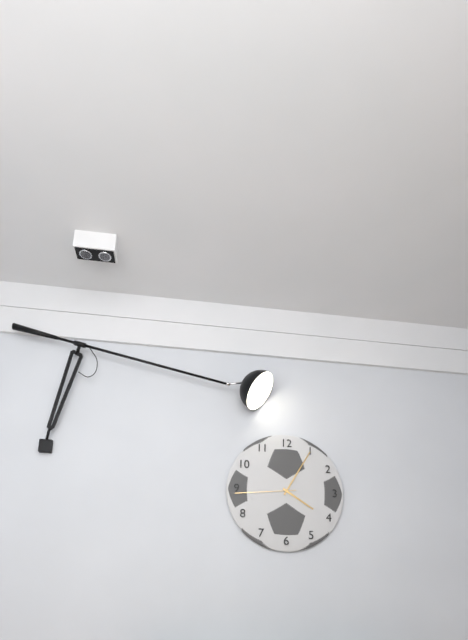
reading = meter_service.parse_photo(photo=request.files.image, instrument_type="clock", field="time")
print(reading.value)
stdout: 4:05:44
